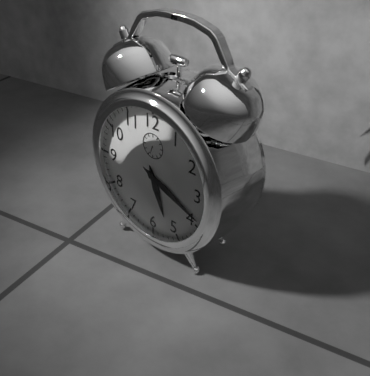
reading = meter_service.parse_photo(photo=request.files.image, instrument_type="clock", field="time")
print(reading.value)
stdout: 5:19
